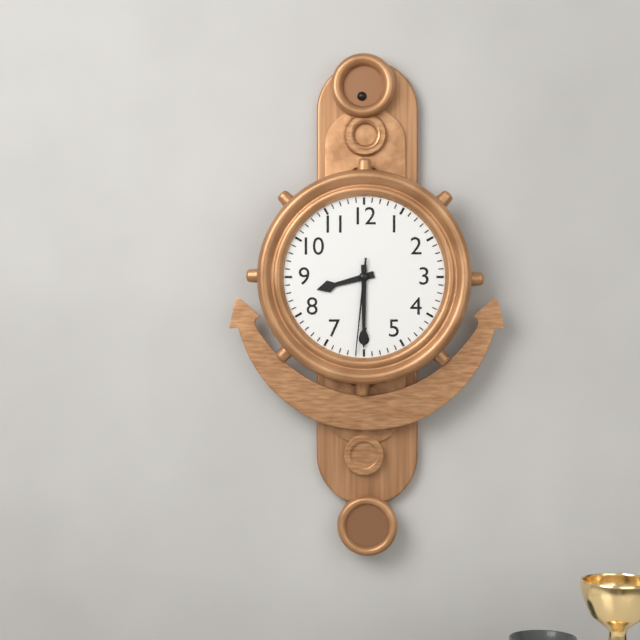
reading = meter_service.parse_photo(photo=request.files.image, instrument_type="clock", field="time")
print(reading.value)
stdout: 8:30:31
